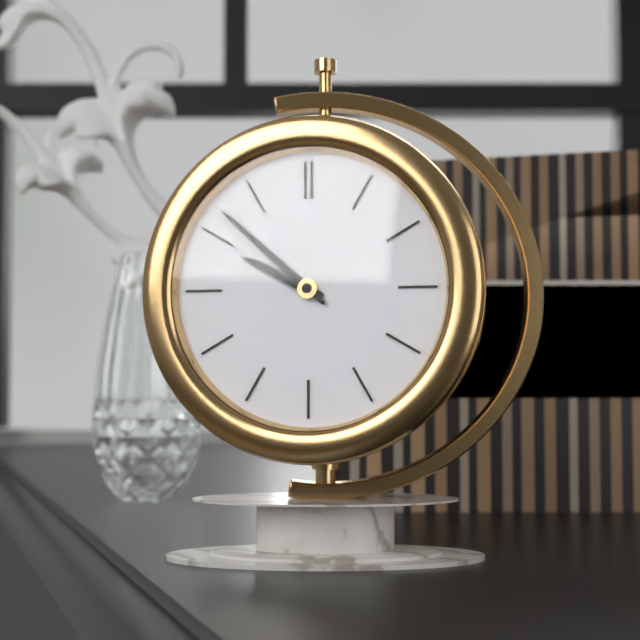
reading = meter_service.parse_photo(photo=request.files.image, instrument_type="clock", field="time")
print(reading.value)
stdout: 9:52
